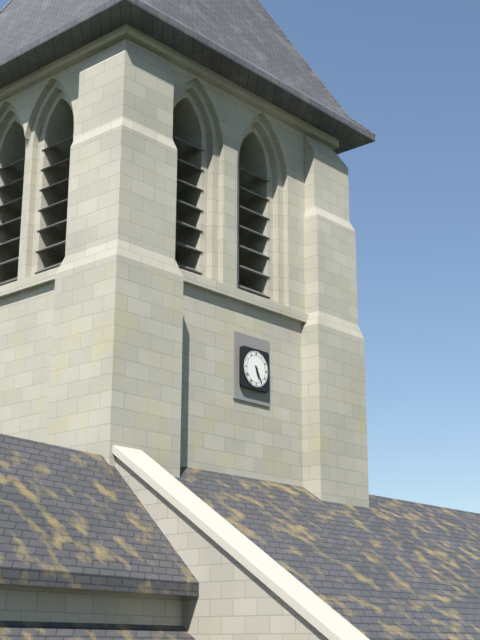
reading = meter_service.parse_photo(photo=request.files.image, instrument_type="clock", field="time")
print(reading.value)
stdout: 5:25
